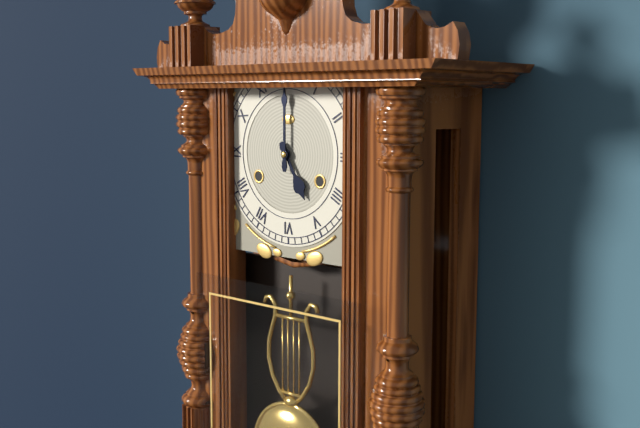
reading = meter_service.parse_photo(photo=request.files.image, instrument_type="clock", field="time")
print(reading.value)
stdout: 5:00
